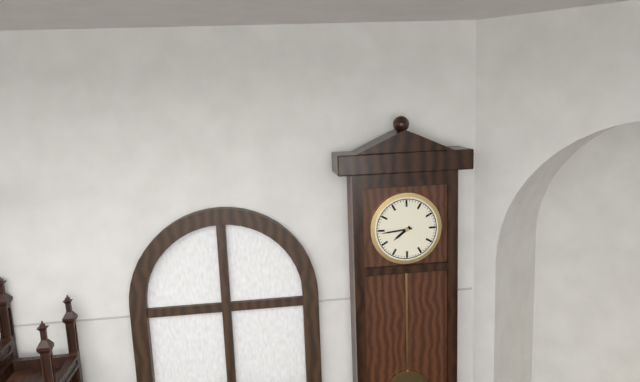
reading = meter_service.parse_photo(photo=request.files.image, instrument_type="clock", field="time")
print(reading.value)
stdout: 7:44
